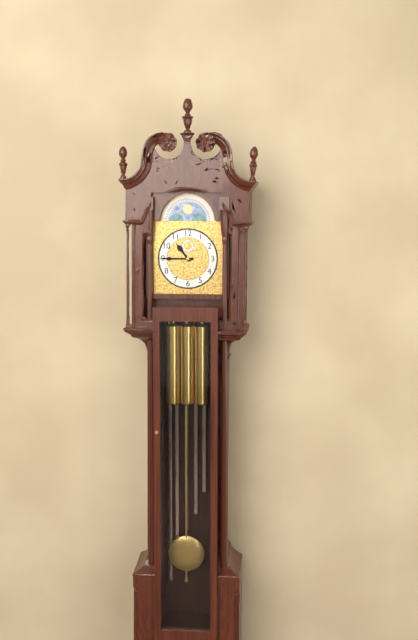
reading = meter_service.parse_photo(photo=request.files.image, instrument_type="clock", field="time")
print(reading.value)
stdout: 10:45
